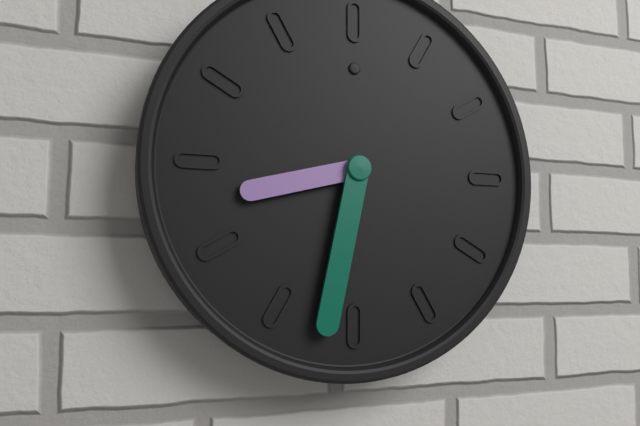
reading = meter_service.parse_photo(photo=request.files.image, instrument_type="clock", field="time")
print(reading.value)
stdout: 8:32
